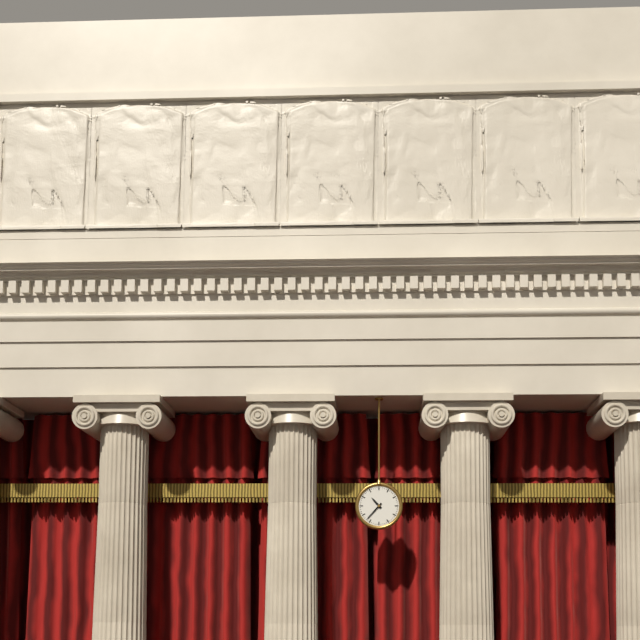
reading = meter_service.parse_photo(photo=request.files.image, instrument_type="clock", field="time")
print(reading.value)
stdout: 10:37
